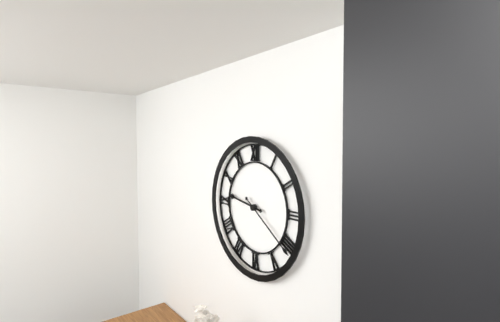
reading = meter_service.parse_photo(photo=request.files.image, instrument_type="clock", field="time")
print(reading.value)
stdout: 9:21
